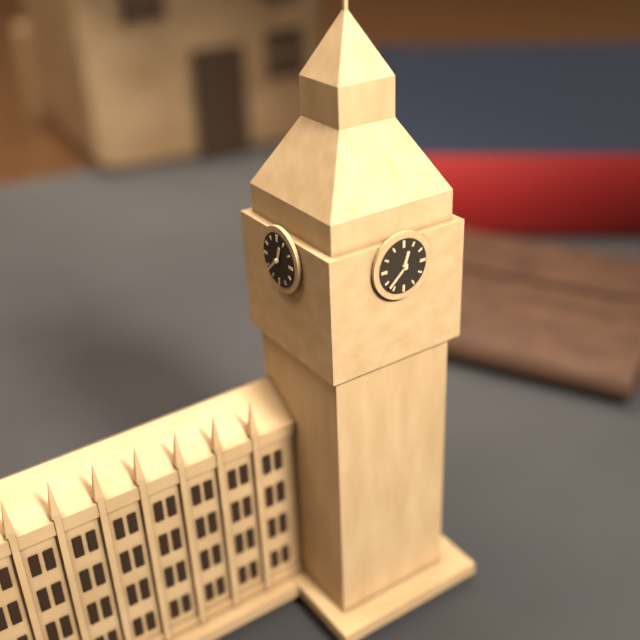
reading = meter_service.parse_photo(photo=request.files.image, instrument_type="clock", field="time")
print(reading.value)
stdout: 12:38
